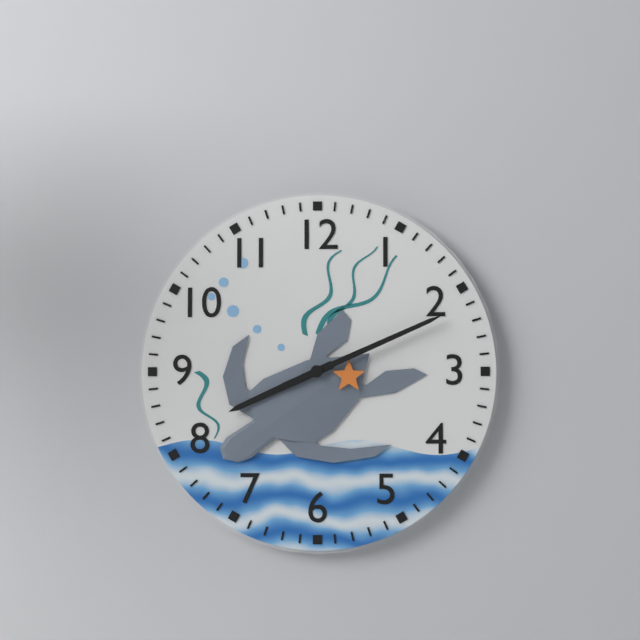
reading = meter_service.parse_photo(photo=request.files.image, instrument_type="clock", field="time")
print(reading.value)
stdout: 8:11
